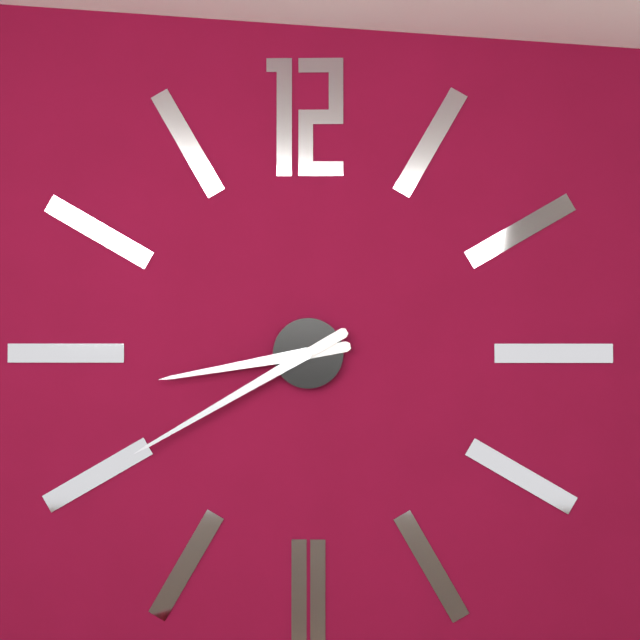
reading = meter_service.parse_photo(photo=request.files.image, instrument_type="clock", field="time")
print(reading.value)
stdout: 8:40
